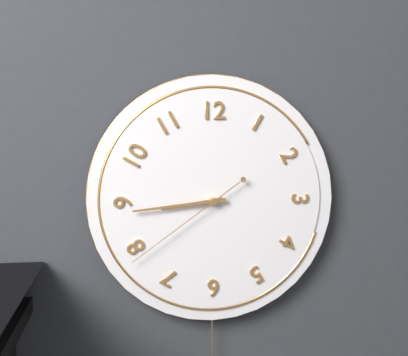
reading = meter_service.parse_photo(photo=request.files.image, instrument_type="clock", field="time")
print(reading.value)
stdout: 8:44:39
